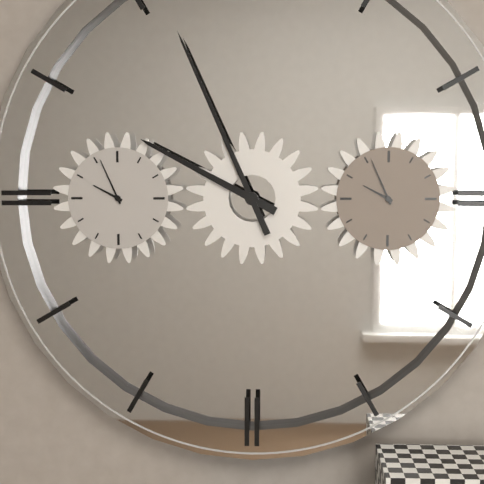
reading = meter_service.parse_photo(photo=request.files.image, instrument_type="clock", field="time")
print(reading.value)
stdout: 9:56
